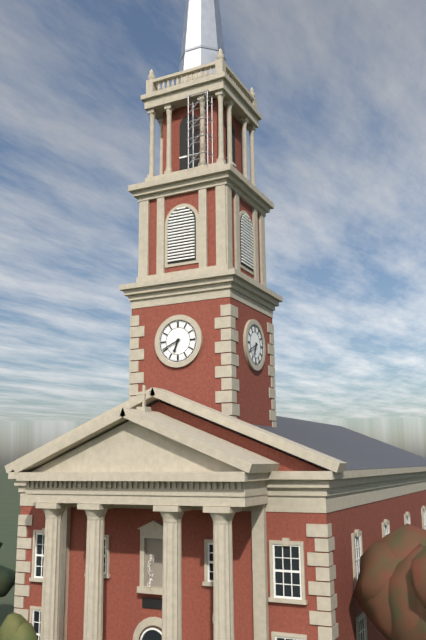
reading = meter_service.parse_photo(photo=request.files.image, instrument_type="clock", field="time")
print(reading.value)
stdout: 6:41
